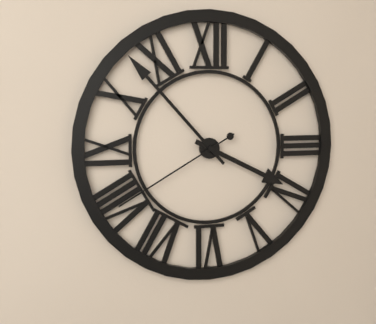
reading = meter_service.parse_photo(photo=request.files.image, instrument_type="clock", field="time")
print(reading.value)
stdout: 3:53:40
